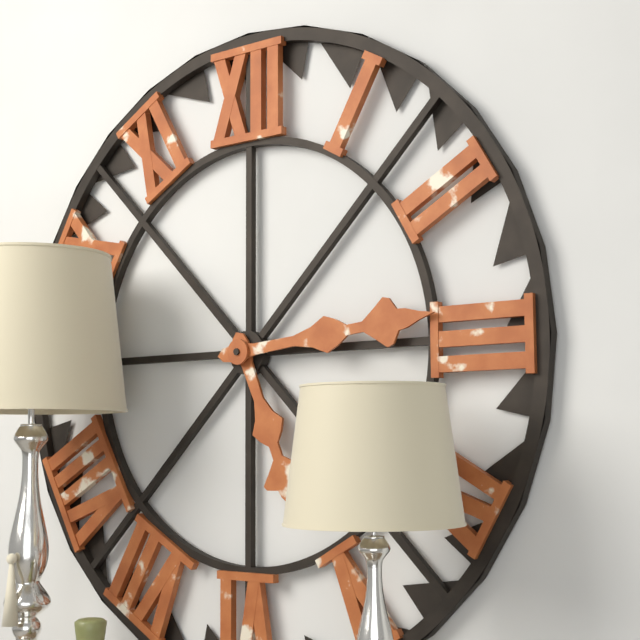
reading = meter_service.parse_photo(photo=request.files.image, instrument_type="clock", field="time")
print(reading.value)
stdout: 5:14
